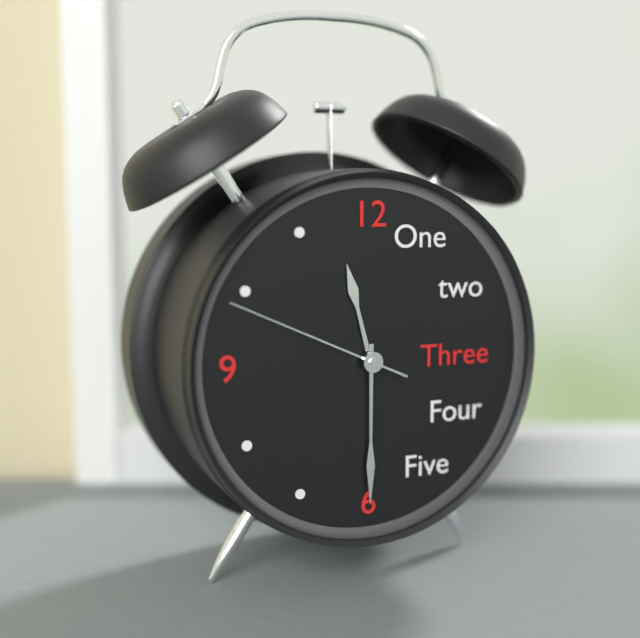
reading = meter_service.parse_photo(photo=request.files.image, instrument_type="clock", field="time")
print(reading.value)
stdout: 11:30:49
